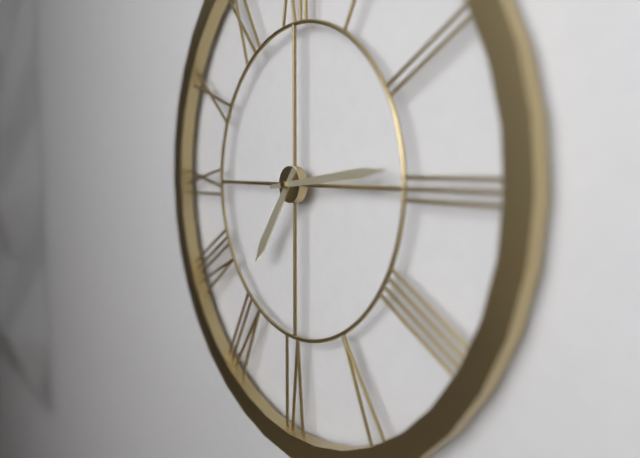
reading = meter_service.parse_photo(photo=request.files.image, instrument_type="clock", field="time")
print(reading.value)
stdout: 7:14
